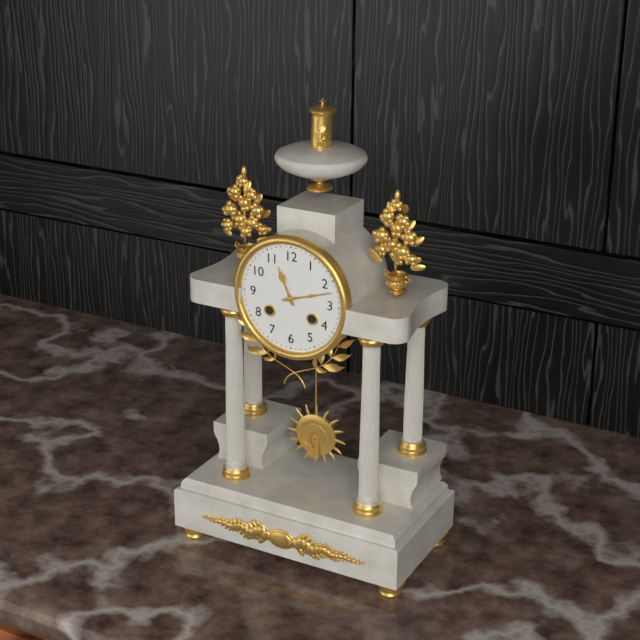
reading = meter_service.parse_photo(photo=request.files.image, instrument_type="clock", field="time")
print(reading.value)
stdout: 11:12
